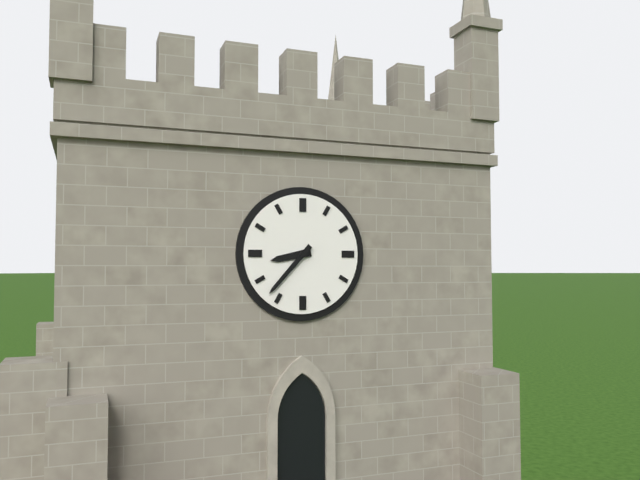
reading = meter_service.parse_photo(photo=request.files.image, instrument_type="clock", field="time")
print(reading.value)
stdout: 8:37
